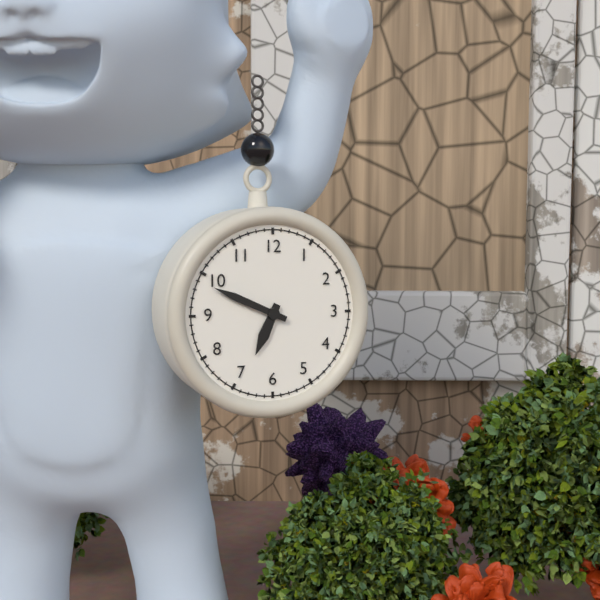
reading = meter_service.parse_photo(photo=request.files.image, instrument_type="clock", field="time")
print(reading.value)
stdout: 6:49
